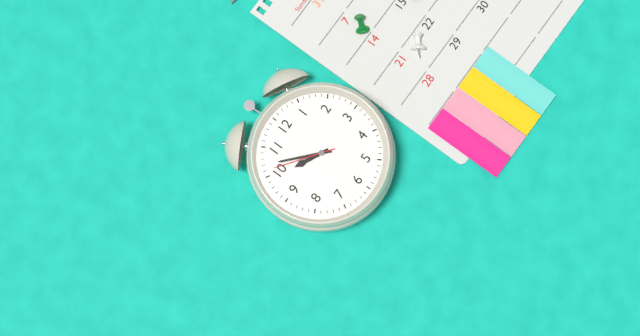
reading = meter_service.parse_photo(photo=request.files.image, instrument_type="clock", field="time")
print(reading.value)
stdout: 9:52:51
